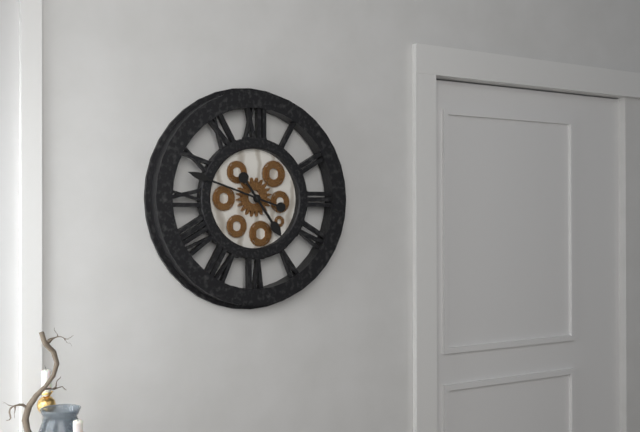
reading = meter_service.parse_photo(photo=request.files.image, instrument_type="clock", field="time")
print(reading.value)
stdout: 4:48
